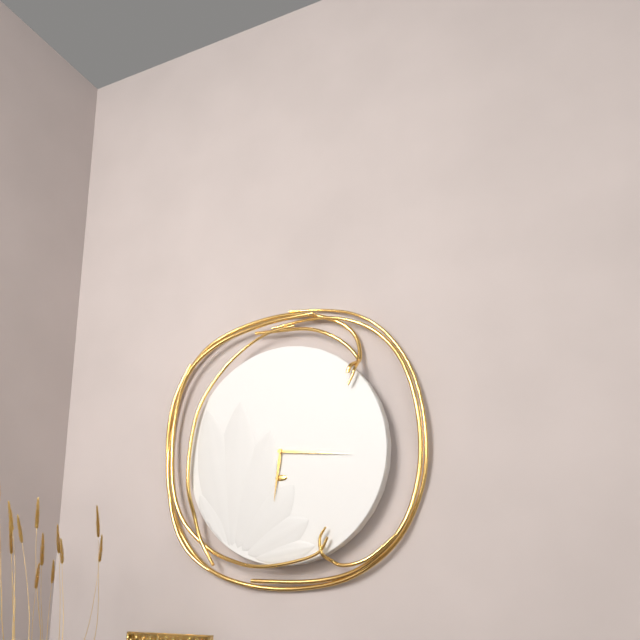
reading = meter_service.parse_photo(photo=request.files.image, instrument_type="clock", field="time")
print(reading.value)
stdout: 6:16
